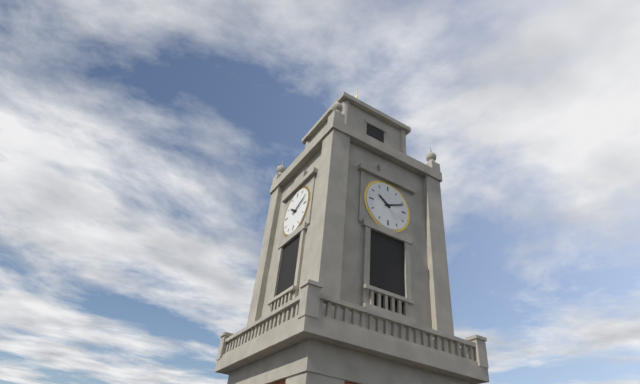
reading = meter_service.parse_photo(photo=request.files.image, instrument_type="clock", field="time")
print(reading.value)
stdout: 10:11
